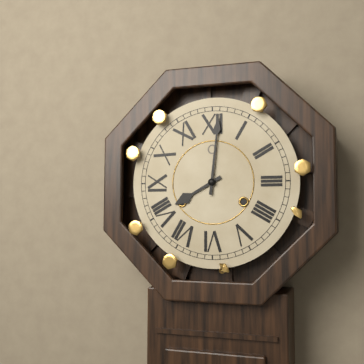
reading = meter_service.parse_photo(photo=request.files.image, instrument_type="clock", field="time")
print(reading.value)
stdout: 8:01
